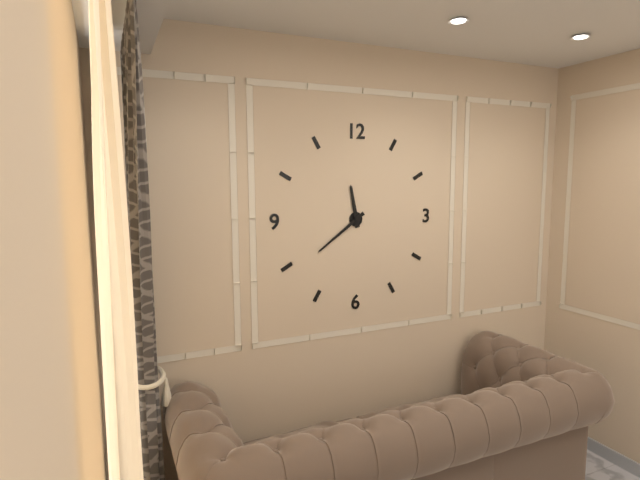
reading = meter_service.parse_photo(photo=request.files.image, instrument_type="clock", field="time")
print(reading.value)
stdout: 11:39
